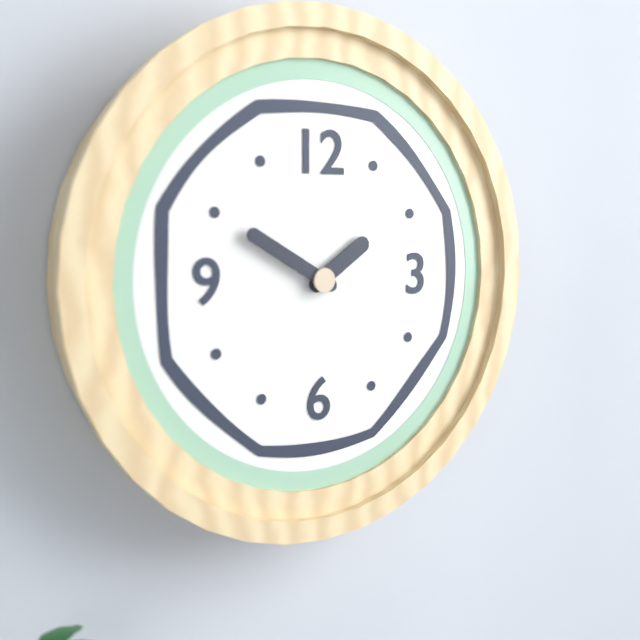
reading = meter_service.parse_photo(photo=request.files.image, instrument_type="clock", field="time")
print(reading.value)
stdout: 1:50
